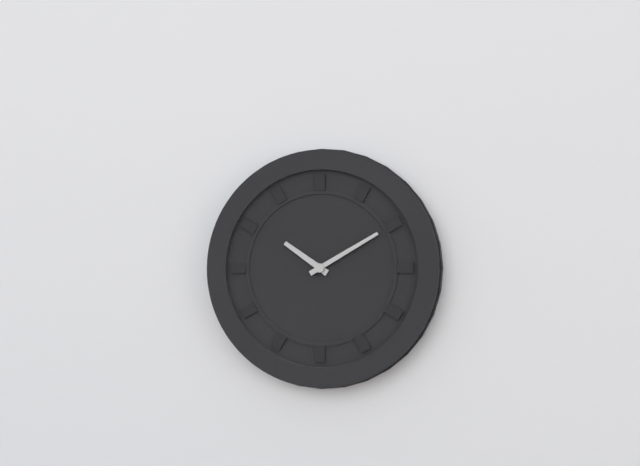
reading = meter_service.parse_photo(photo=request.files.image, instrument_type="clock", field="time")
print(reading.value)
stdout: 10:10
